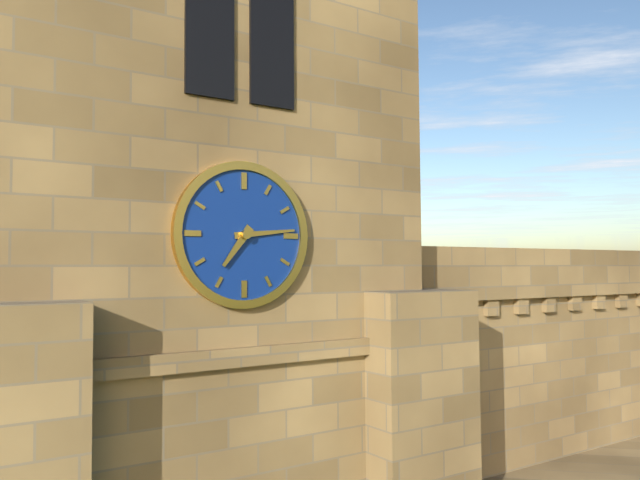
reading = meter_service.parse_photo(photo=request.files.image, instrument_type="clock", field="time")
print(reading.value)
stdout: 7:14
